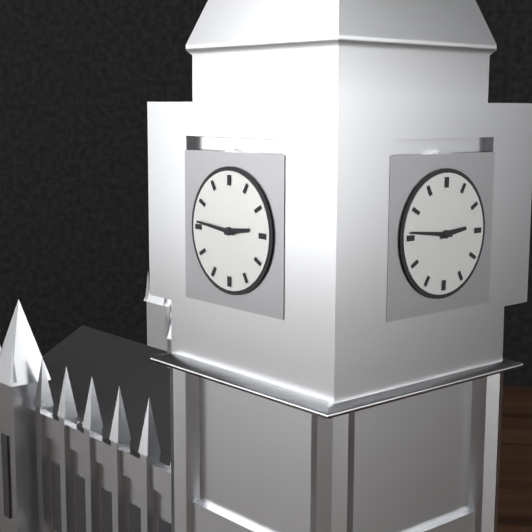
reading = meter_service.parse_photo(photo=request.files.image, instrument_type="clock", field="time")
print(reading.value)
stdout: 2:46
